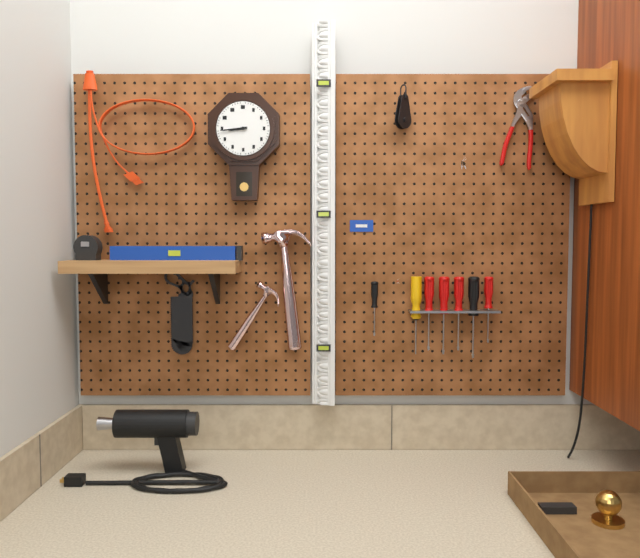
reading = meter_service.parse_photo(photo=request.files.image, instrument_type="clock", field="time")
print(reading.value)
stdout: 8:44
